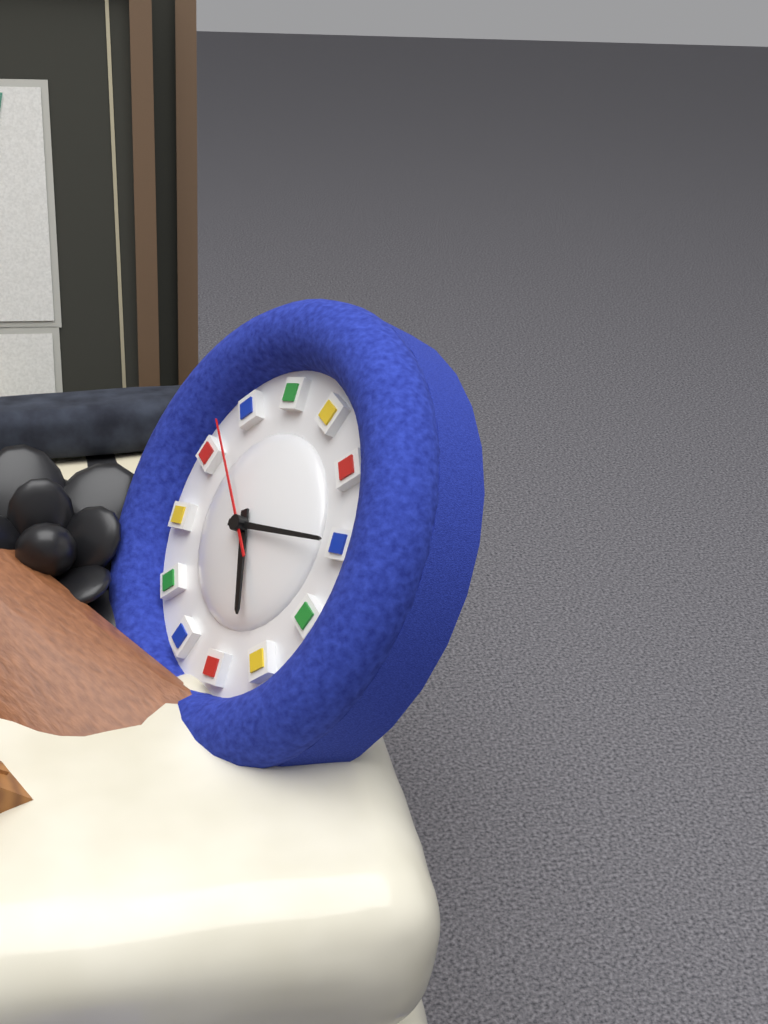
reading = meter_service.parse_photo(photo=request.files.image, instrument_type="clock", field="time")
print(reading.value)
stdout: 6:20:58
